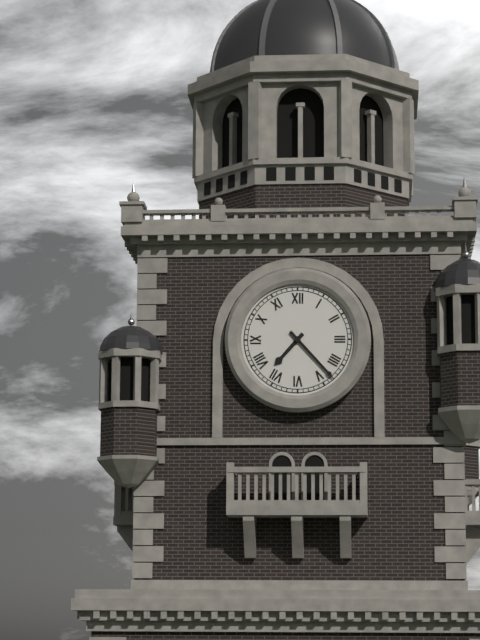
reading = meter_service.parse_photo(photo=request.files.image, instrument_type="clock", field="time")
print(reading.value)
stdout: 7:23
